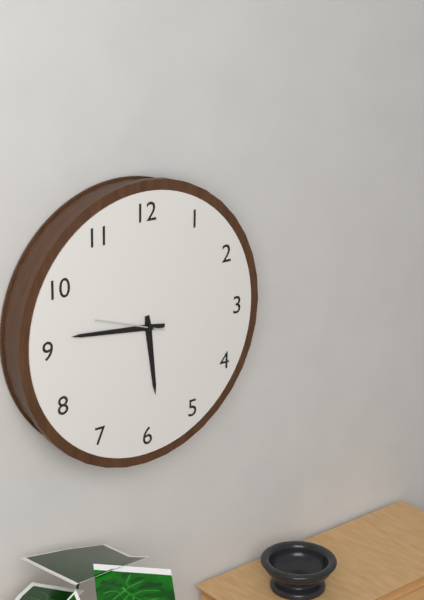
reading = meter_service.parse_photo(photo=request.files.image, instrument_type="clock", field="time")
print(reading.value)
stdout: 5:46:48
